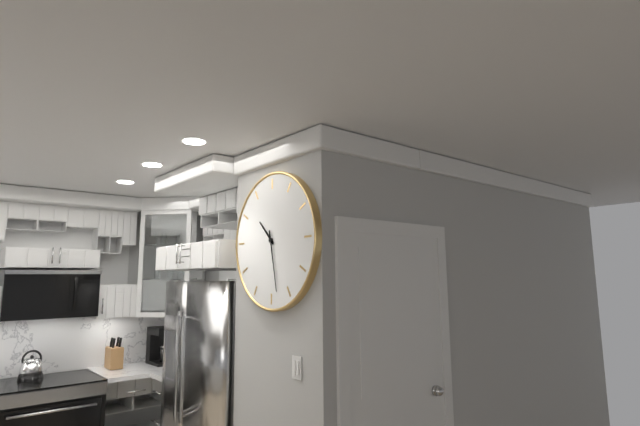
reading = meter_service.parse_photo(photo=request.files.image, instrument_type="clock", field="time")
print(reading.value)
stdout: 10:28
